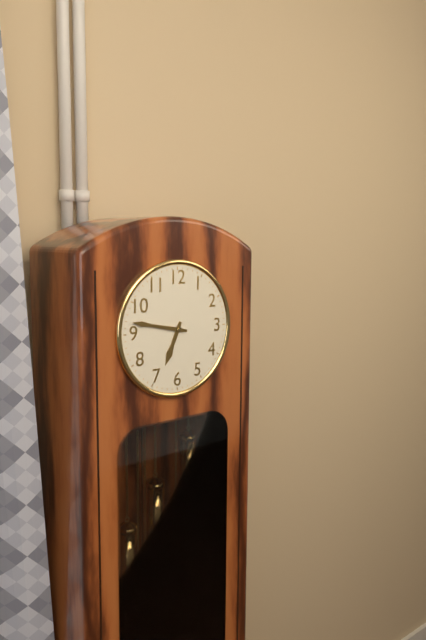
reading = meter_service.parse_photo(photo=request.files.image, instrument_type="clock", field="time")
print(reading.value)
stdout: 6:47
